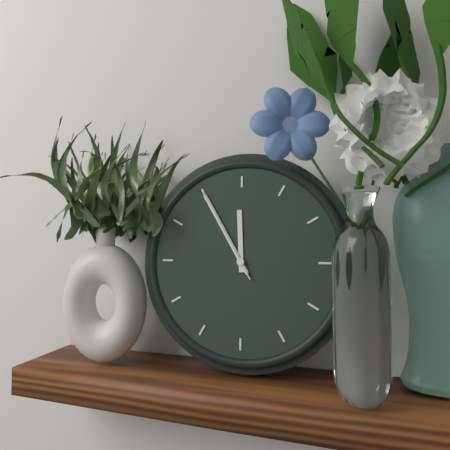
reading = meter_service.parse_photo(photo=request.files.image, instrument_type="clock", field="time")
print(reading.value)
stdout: 11:55:55
